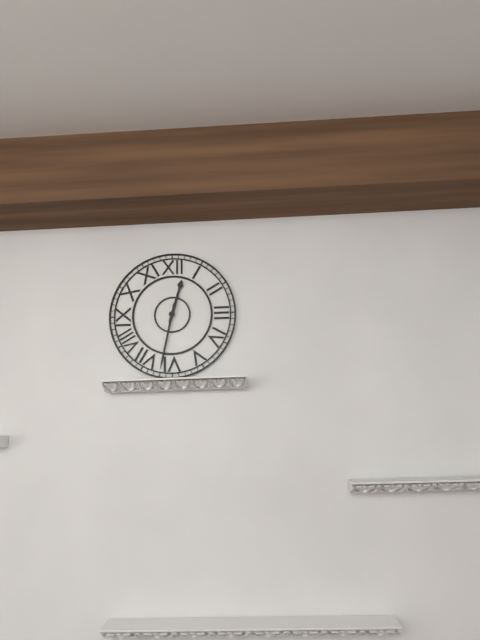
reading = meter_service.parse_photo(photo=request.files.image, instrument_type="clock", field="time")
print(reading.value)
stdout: 12:32
